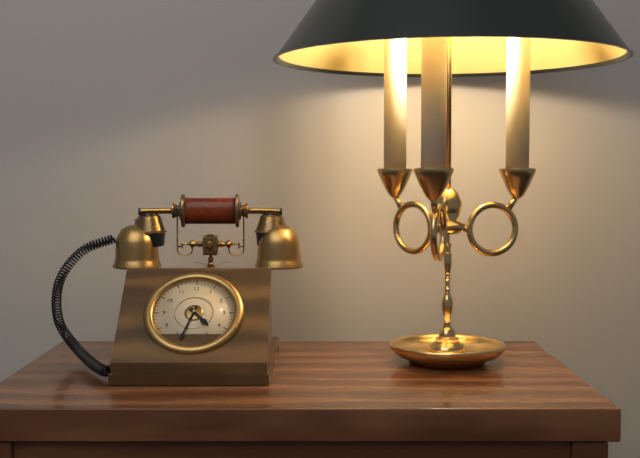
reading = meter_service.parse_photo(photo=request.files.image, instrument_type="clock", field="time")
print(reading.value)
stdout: 4:33
